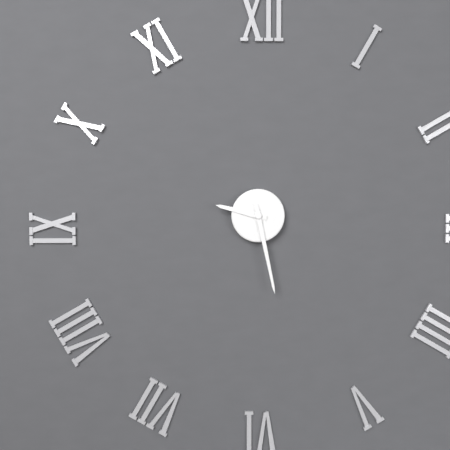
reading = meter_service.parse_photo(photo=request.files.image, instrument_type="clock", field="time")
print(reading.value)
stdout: 9:28
